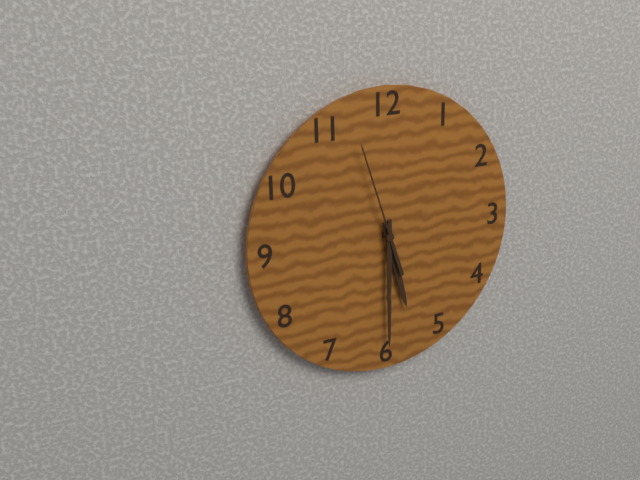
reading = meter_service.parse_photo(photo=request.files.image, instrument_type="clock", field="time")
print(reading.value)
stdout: 5:30:57
